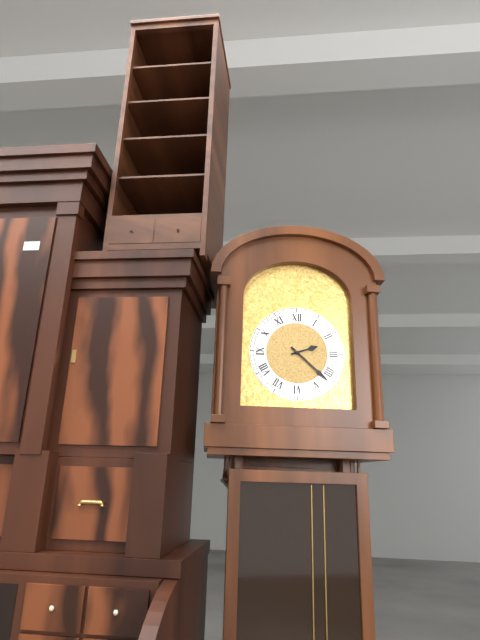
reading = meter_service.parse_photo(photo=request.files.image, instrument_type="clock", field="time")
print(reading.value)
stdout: 2:22
